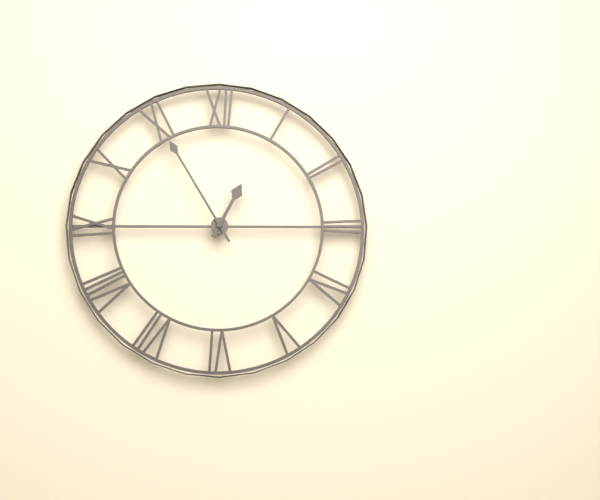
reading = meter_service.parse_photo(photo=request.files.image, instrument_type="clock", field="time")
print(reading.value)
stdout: 12:55
